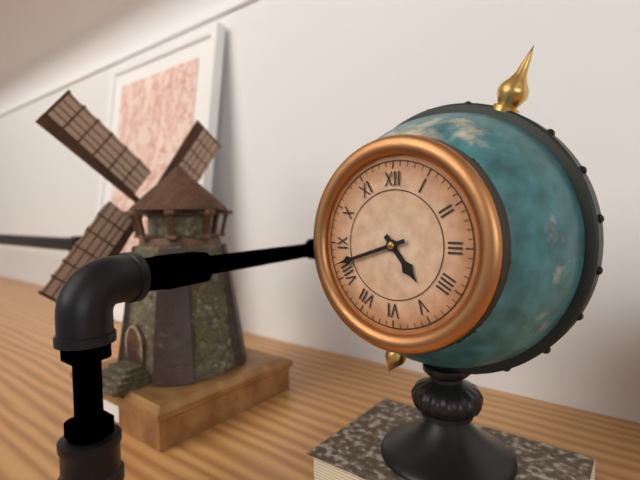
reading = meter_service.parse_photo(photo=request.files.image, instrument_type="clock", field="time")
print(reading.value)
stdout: 4:42
